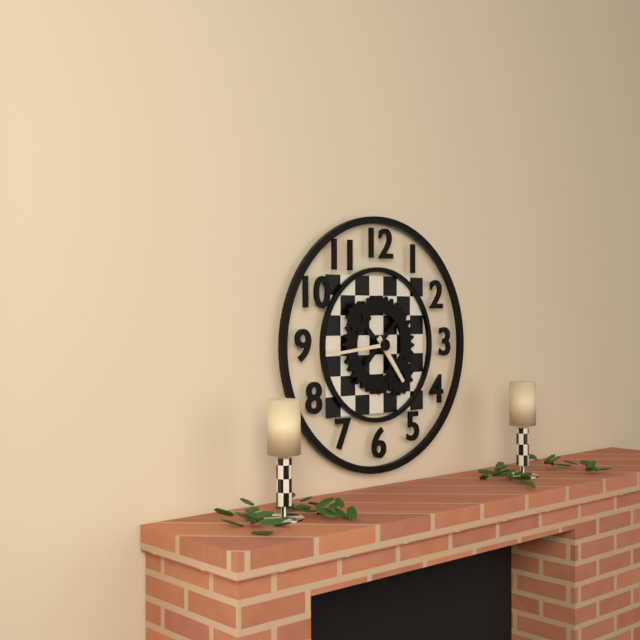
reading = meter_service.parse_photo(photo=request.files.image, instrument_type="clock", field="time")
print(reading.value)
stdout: 4:44
